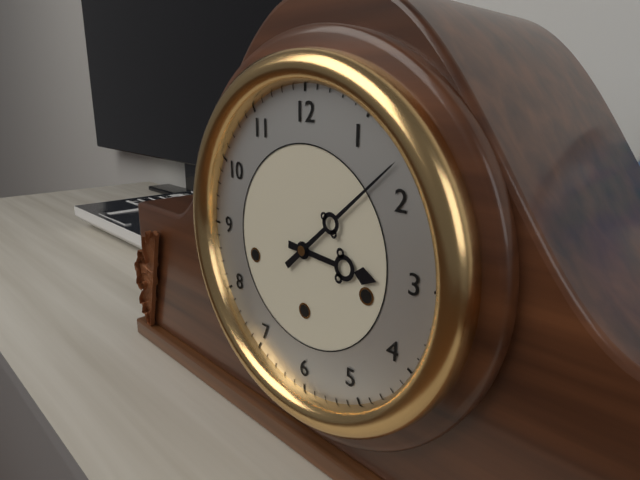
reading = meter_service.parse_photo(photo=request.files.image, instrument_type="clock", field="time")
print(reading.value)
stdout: 3:08
